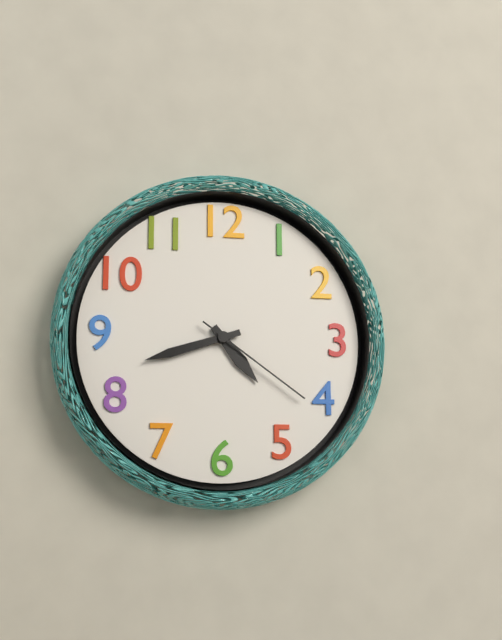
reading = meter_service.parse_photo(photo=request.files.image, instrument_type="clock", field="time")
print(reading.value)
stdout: 4:42:21
